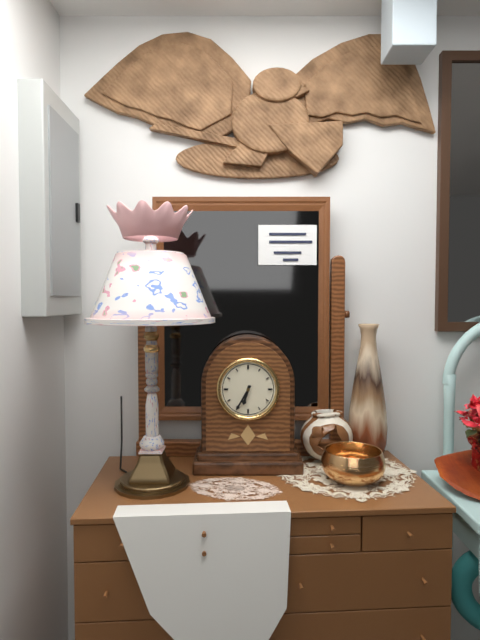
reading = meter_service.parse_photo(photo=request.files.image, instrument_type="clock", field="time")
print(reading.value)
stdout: 6:35
